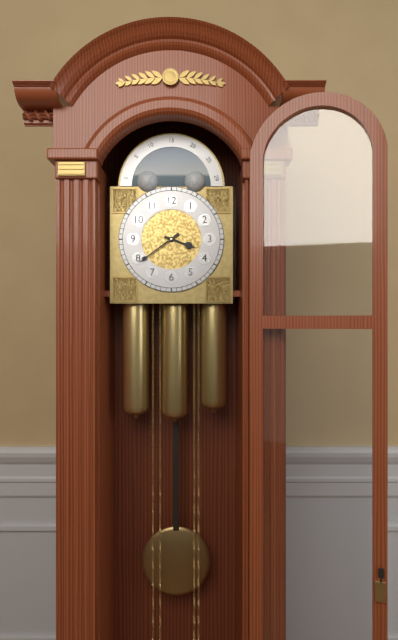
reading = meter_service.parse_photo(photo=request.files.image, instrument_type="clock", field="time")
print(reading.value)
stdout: 3:39
